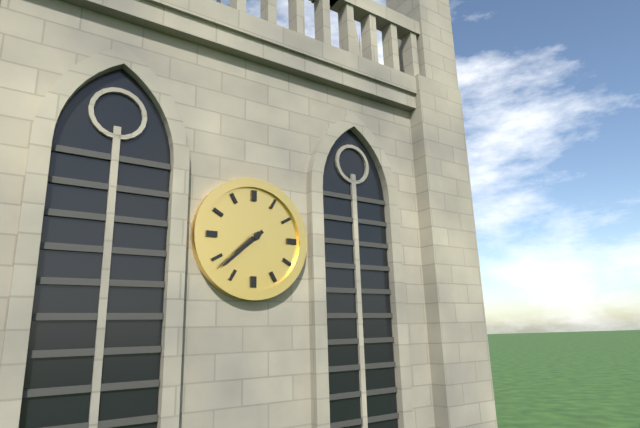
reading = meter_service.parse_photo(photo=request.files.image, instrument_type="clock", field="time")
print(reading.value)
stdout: 7:38
